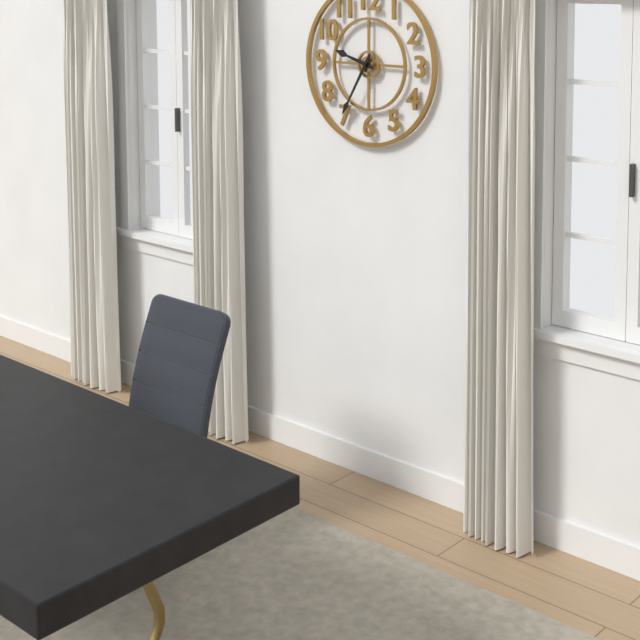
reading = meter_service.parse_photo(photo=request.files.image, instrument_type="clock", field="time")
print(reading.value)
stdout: 9:35
